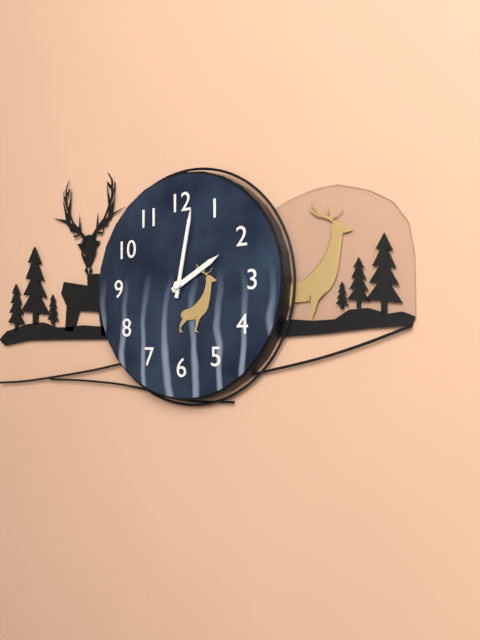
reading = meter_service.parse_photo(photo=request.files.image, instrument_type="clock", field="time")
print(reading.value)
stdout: 2:02
